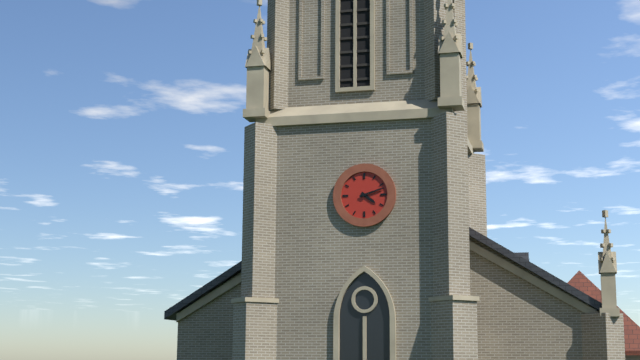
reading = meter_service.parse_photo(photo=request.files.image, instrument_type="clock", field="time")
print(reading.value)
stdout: 4:12
